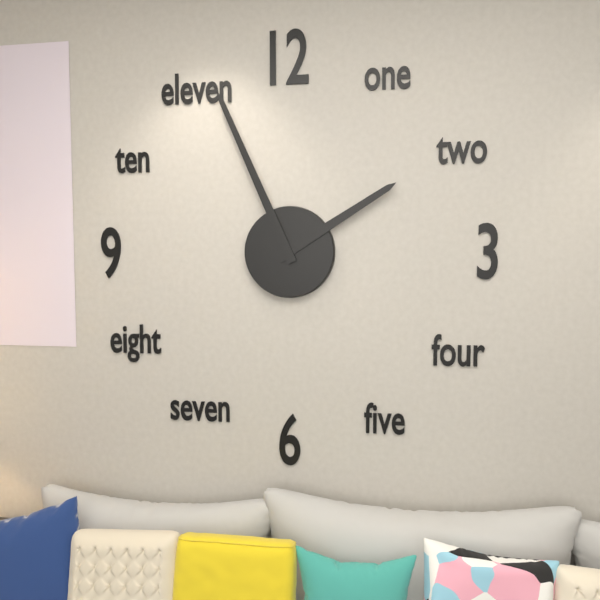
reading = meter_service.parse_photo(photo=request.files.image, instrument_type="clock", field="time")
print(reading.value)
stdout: 1:56
